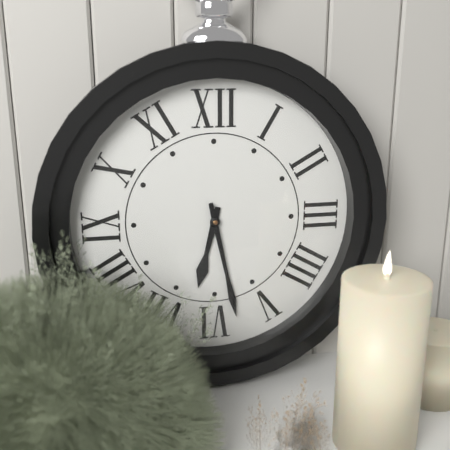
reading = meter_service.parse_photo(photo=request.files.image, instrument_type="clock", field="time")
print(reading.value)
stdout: 6:28
